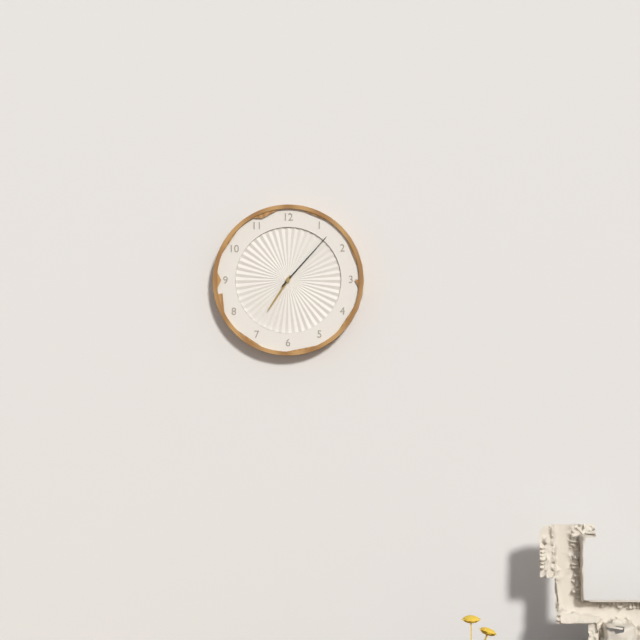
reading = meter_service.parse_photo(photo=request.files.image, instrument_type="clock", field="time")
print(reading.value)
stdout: 7:07
